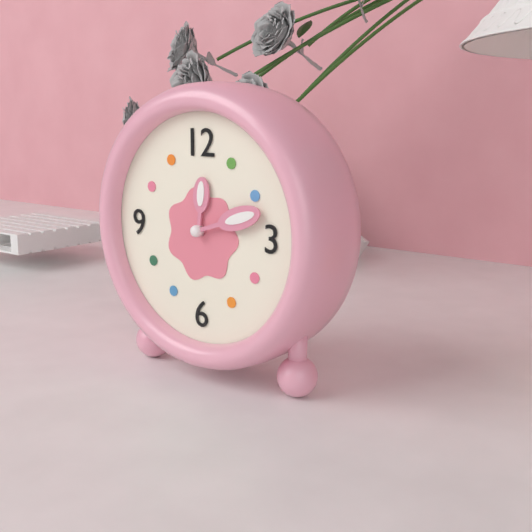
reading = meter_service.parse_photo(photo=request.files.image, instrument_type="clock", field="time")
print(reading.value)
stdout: 12:12
